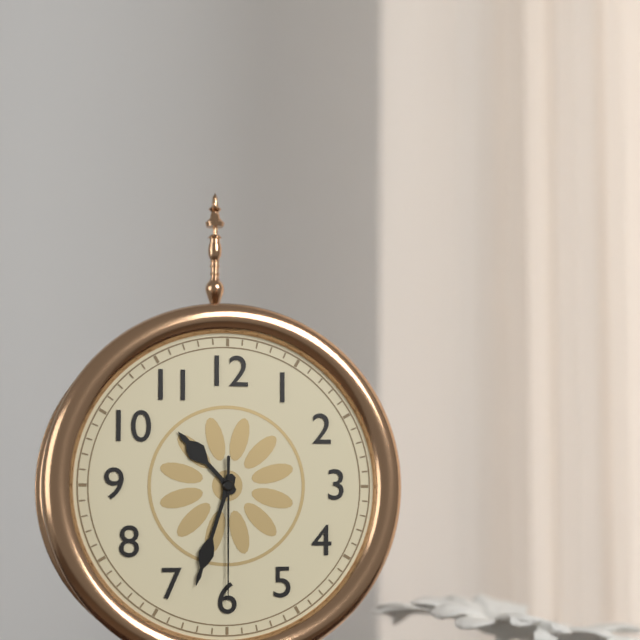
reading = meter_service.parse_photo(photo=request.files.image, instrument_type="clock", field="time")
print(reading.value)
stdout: 10:33:30
